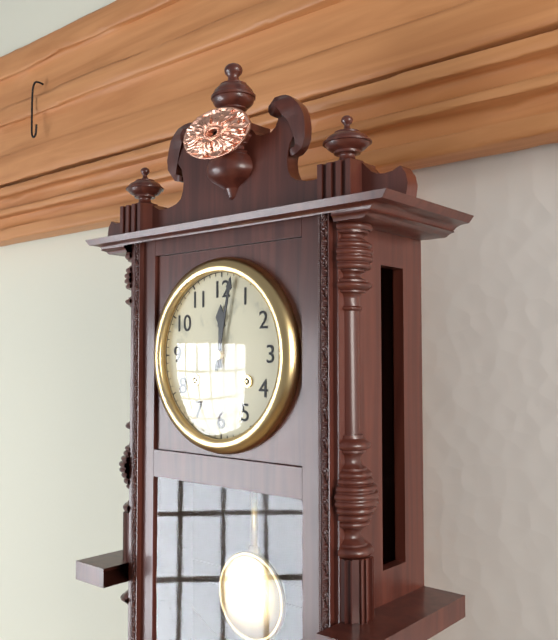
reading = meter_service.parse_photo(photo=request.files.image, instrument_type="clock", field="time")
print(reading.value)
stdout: 12:02
